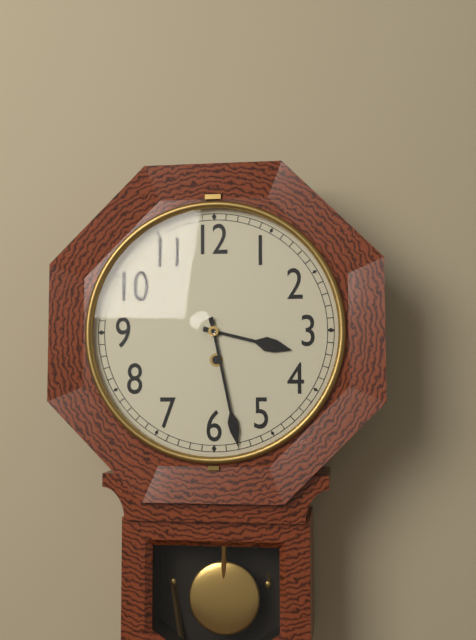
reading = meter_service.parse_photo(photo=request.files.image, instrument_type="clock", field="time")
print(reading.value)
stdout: 3:28
